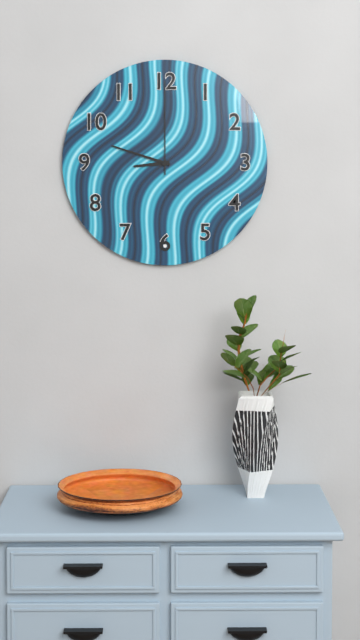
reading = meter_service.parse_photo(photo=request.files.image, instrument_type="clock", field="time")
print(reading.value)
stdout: 8:48:00
